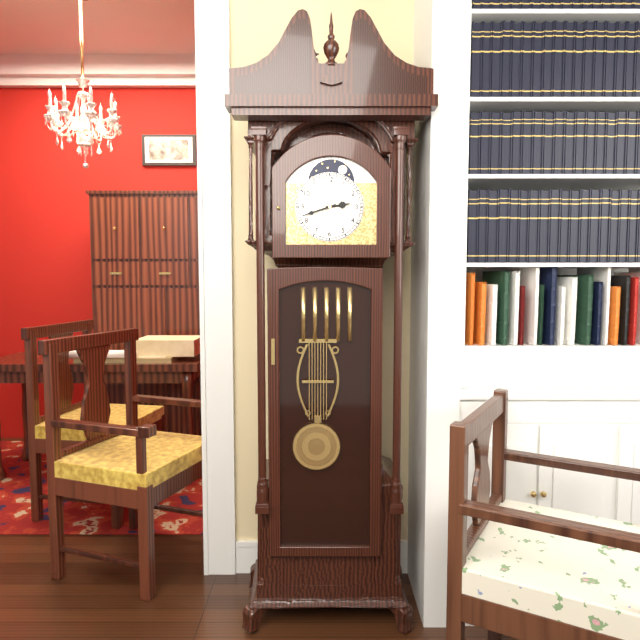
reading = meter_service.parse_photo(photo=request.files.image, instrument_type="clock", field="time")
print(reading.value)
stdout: 2:42
